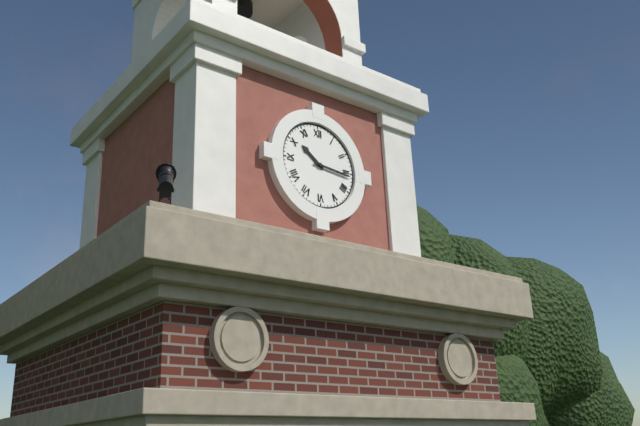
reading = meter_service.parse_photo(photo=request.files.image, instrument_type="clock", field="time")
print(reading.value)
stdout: 10:16
